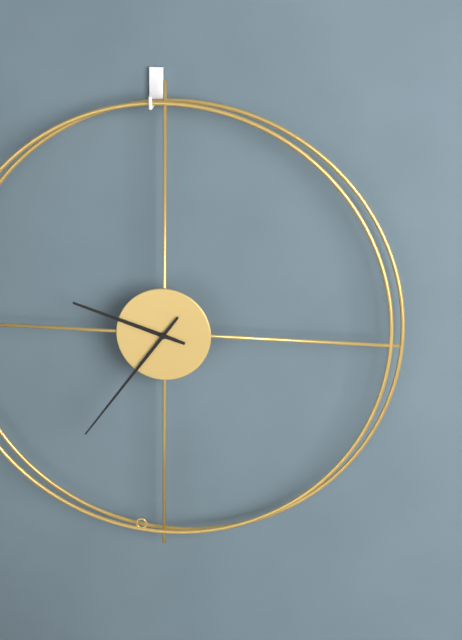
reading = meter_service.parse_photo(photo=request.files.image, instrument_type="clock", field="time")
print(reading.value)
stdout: 9:36
